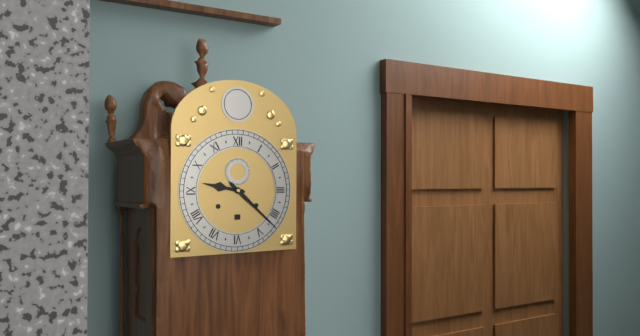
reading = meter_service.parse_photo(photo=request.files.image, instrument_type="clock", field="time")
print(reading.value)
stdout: 9:22
